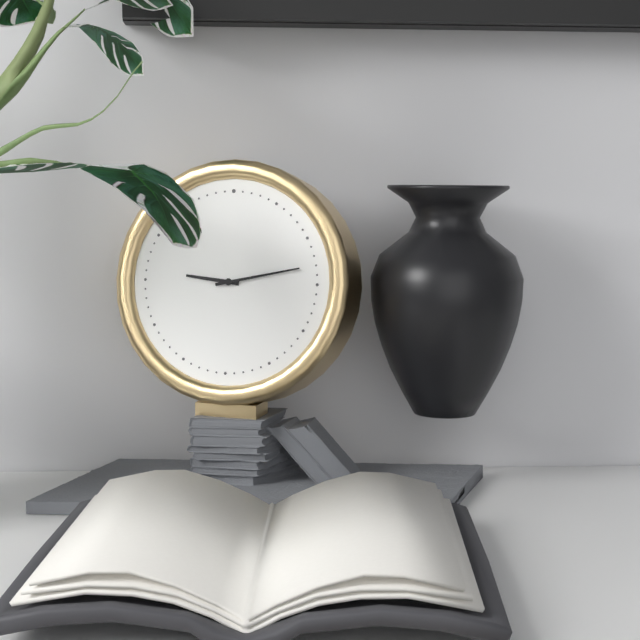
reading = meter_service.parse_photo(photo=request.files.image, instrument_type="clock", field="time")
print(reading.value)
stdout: 9:13
